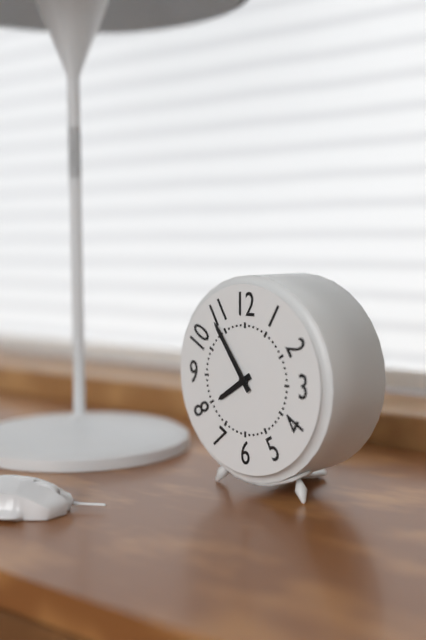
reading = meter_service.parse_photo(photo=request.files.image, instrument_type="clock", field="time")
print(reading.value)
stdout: 7:54
